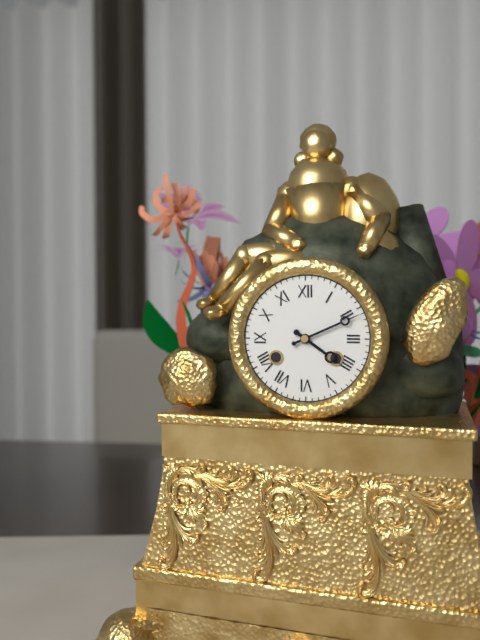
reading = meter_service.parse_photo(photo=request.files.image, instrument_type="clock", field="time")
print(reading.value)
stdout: 4:11
